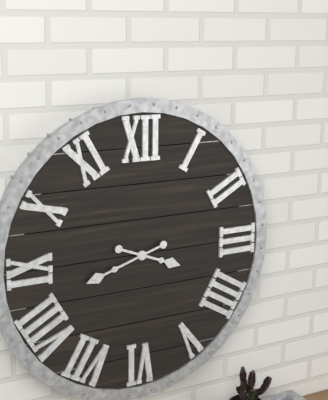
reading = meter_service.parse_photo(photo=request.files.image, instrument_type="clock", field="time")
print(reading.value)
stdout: 3:42
